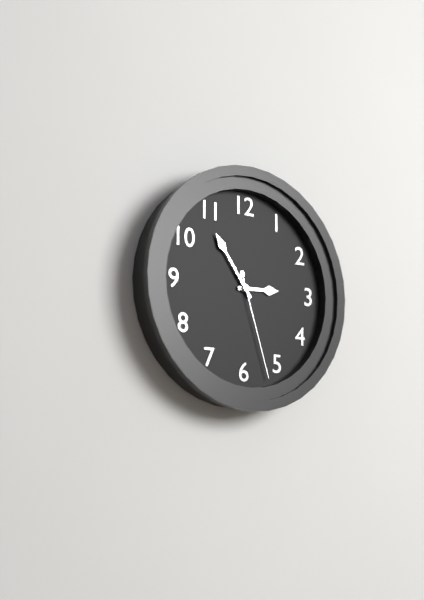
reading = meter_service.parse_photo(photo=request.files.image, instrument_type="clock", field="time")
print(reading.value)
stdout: 2:54:27
